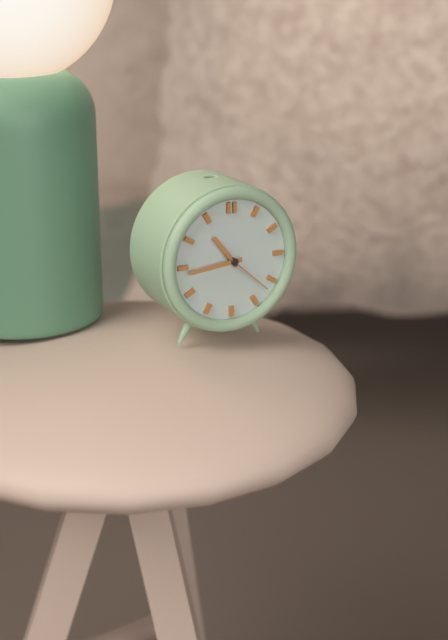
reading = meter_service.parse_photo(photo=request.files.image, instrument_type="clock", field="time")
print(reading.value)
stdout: 10:44:22
